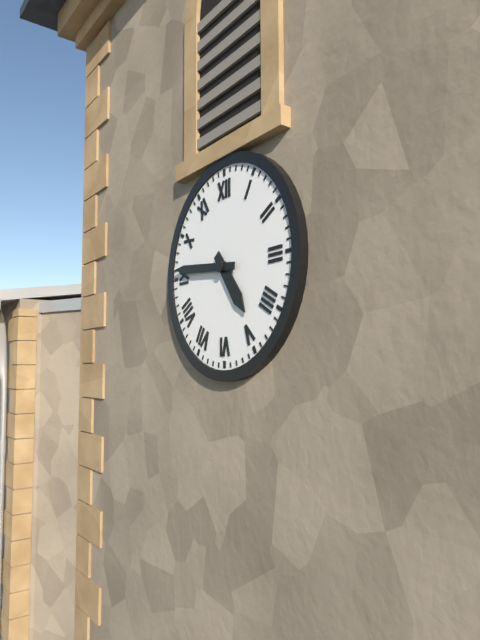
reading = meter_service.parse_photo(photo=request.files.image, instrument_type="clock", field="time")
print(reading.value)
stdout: 4:46
